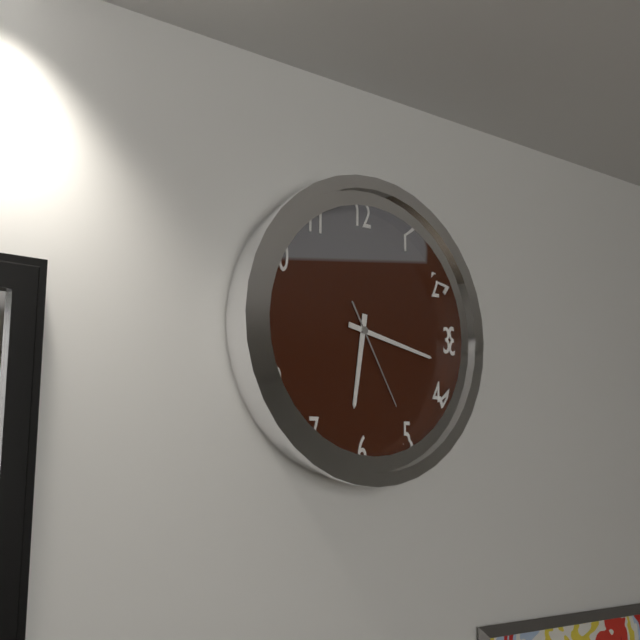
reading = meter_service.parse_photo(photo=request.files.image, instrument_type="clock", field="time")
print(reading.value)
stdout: 6:17:25
